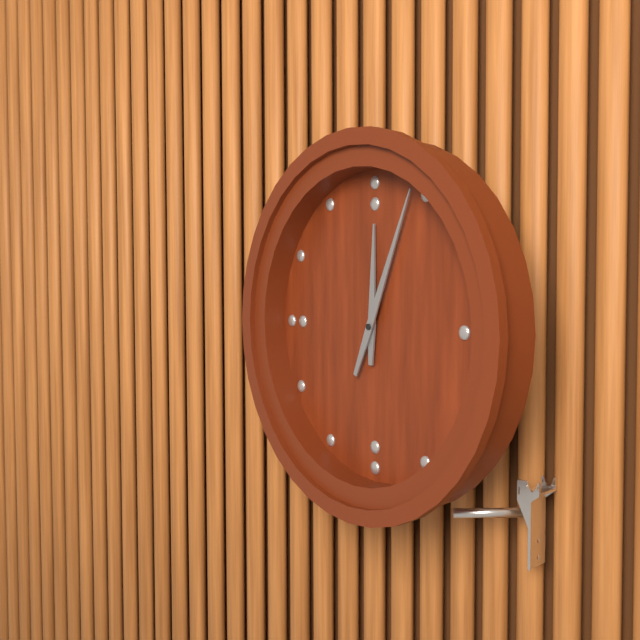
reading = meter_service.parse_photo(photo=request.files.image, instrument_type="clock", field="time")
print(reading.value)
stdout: 12:04
